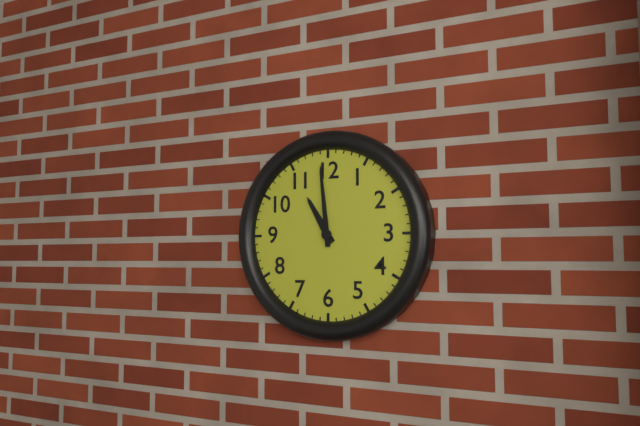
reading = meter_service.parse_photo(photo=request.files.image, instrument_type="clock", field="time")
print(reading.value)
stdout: 10:59
